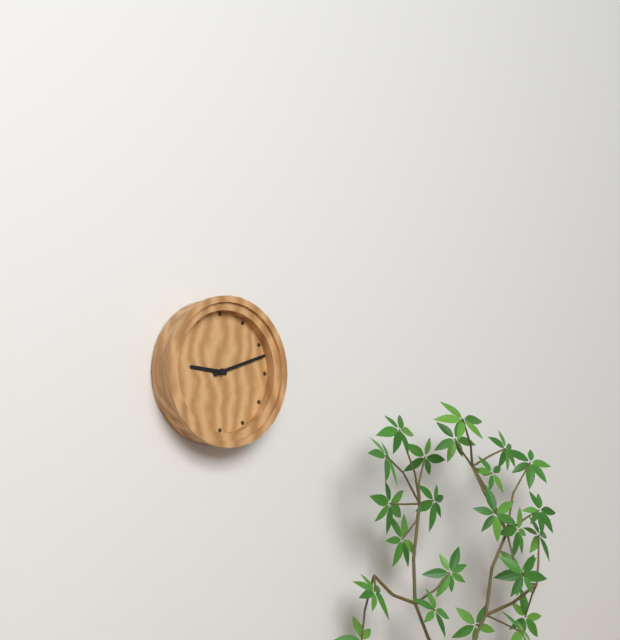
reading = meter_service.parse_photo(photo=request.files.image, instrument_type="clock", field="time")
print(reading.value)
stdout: 9:12
